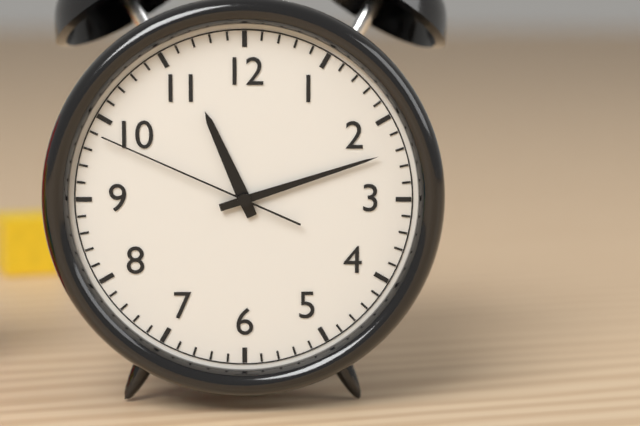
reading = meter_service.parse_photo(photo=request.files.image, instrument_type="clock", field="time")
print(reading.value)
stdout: 11:12:49
